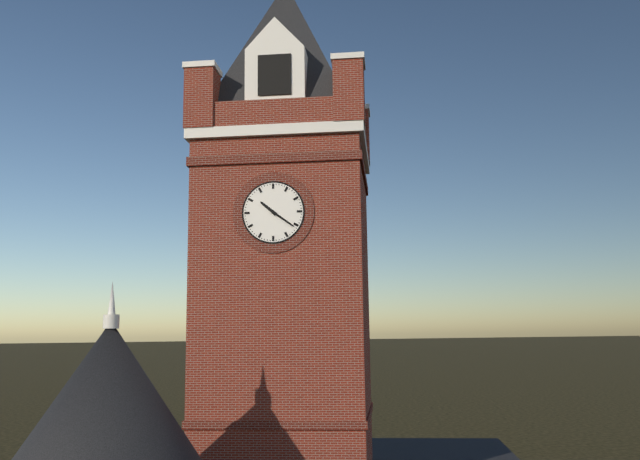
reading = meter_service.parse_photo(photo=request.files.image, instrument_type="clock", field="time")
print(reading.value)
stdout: 10:21
